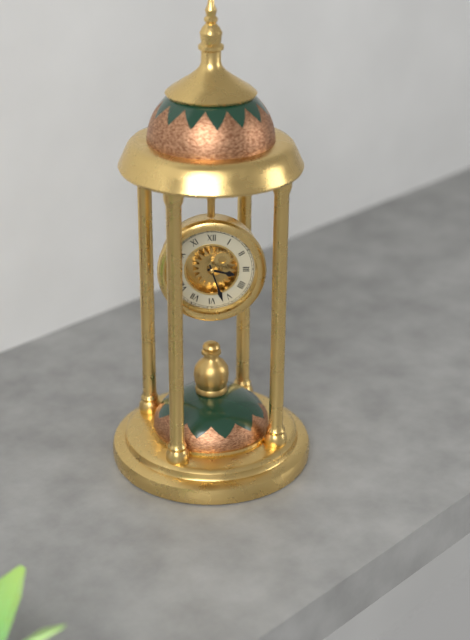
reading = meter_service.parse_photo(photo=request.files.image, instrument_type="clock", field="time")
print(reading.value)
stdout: 3:27
